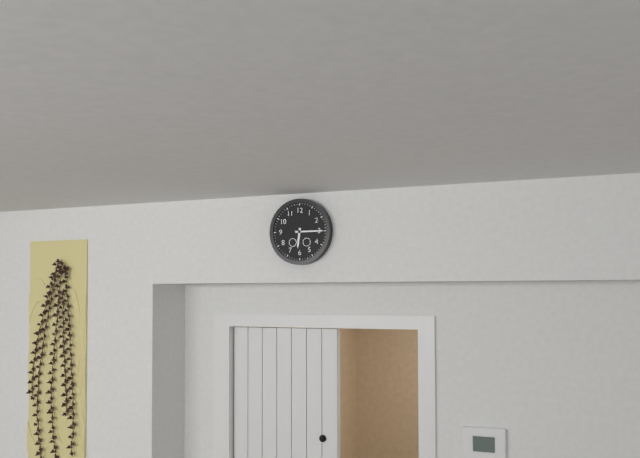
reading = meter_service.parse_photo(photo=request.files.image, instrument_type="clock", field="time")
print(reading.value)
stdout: 6:15
